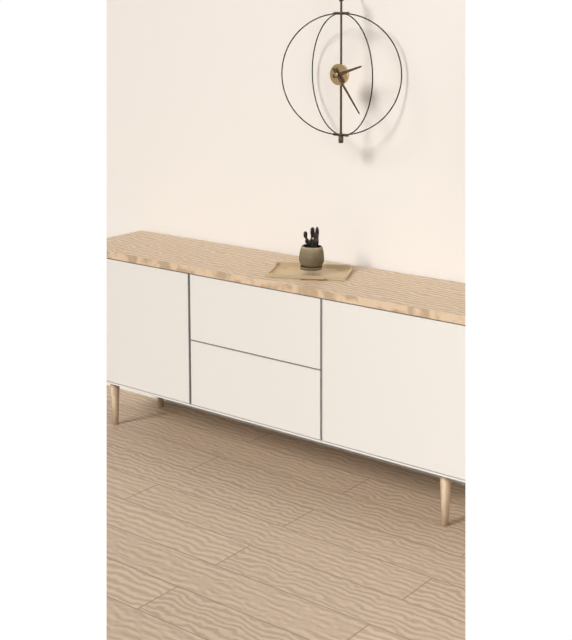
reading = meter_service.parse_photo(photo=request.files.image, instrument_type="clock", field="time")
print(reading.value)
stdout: 2:24
